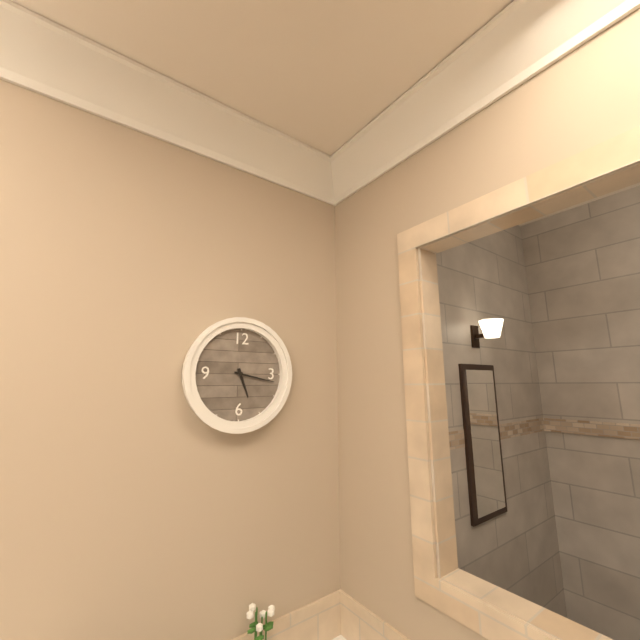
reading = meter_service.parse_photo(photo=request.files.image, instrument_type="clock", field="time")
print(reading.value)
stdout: 5:17
